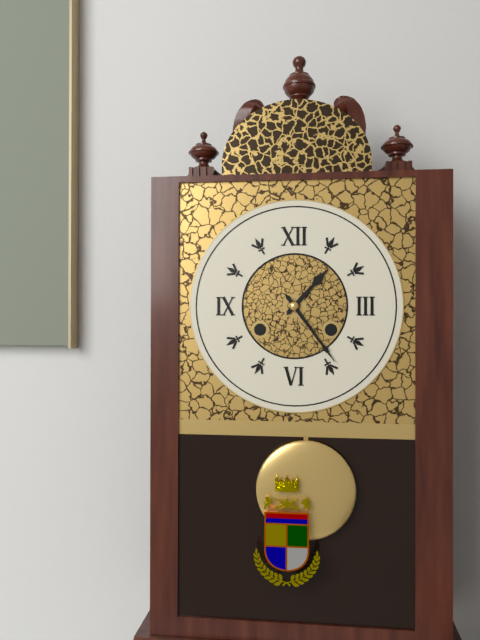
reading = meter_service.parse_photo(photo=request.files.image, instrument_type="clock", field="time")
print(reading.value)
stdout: 1:24
